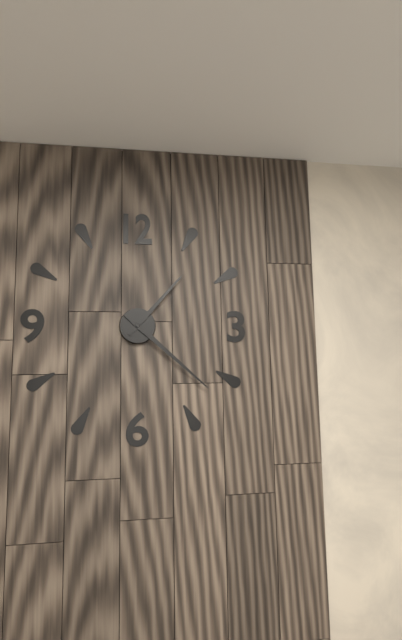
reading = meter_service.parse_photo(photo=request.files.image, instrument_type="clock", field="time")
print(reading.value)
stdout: 1:22
